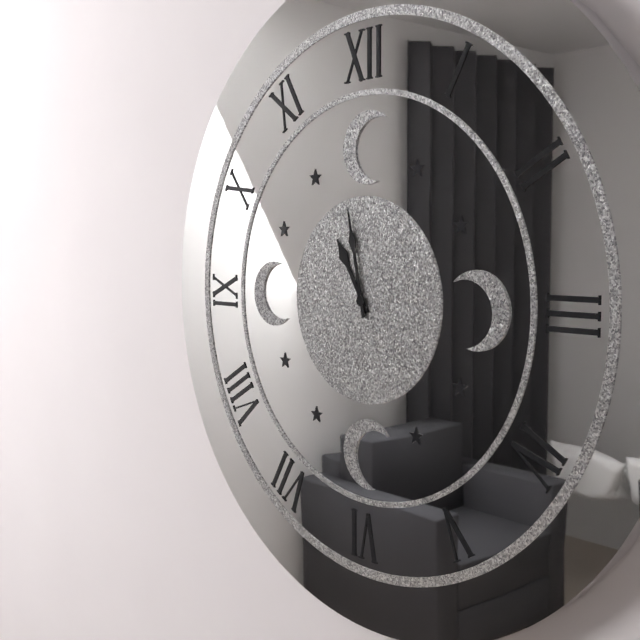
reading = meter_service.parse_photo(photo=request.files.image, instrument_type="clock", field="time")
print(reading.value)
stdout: 10:58
